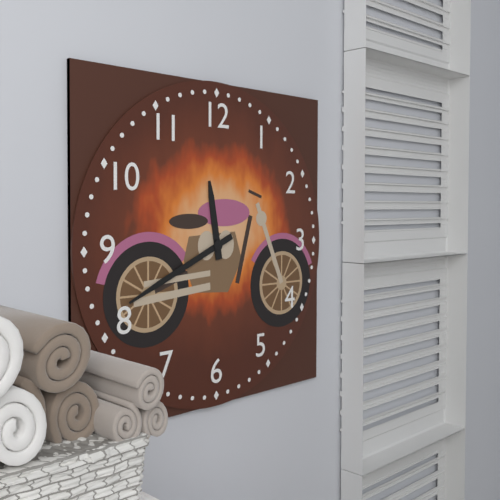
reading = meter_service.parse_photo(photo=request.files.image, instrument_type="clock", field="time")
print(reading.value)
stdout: 11:41
